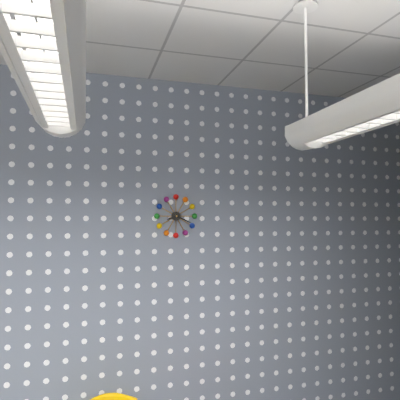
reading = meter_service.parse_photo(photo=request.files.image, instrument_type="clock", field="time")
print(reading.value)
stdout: 8:19
